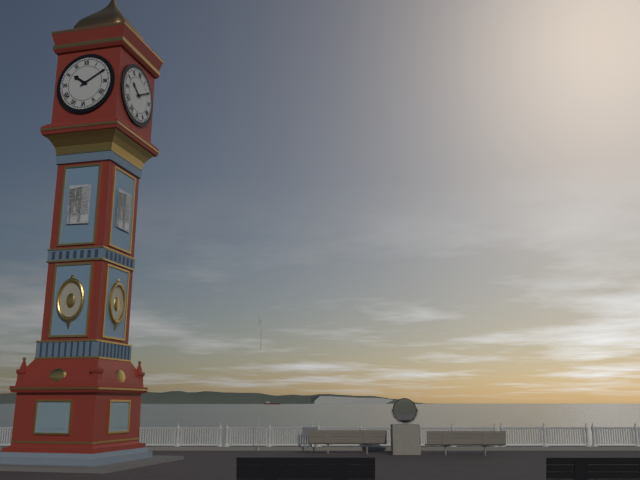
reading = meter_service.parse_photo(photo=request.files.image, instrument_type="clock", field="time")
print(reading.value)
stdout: 10:10
